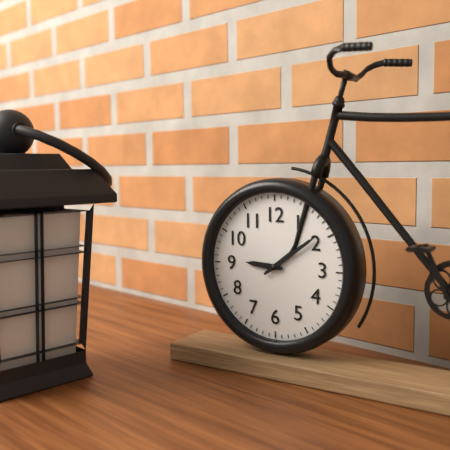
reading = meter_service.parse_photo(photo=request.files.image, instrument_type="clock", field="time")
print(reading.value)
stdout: 9:09
